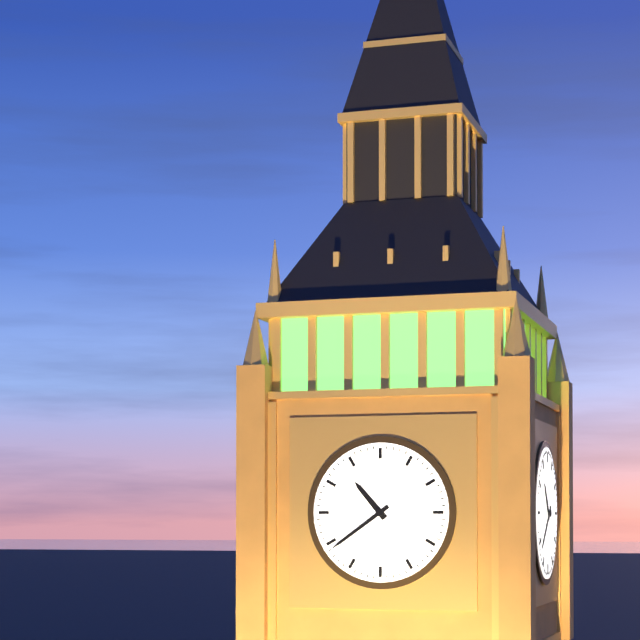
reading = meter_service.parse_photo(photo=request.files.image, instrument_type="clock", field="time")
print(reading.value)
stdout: 10:39
